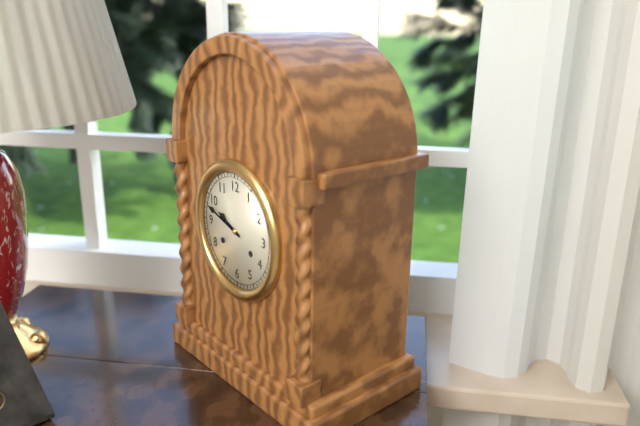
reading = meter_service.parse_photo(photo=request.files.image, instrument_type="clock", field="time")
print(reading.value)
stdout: 9:48
